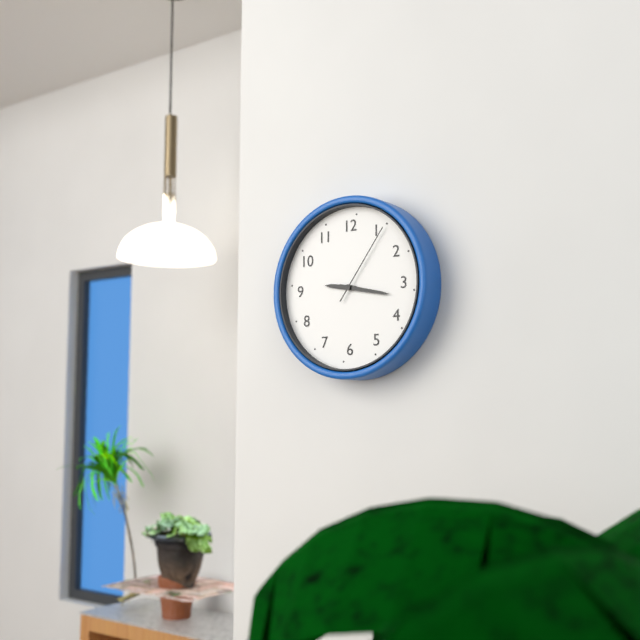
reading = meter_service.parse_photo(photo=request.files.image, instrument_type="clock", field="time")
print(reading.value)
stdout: 9:17:06
